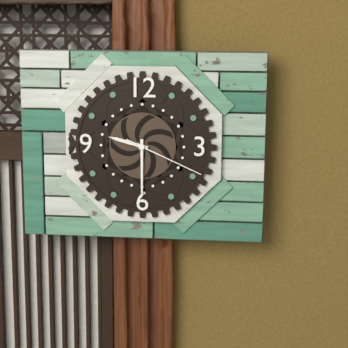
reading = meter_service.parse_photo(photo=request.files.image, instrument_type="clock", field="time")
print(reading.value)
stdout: 9:30:19
